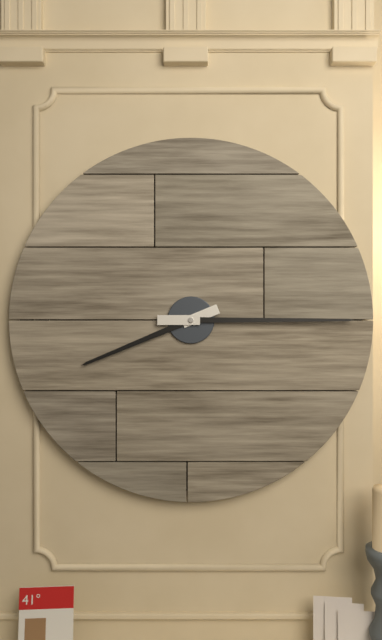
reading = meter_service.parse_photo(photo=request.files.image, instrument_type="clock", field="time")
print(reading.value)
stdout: 8:15
